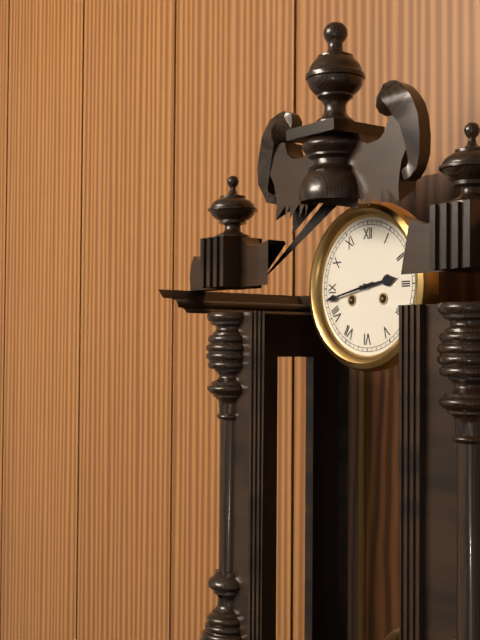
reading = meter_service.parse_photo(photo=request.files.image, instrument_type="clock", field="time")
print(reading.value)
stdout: 2:43
